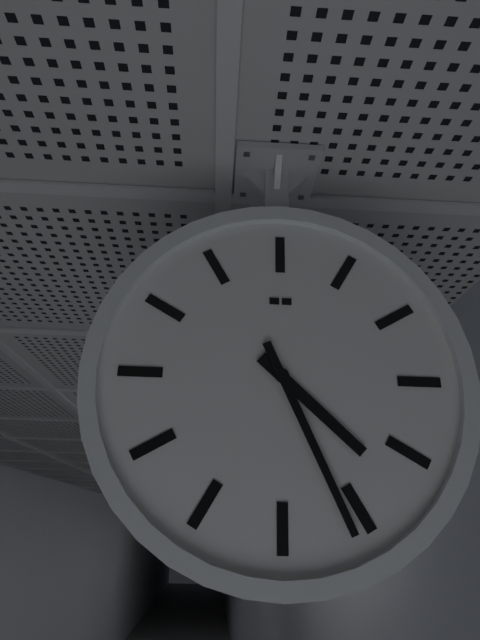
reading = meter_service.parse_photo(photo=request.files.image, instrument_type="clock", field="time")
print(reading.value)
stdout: 4:26
